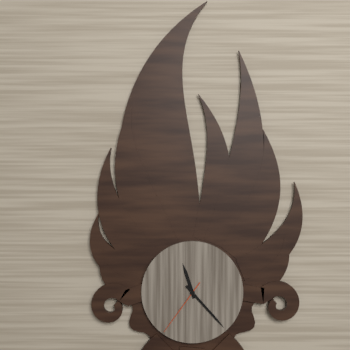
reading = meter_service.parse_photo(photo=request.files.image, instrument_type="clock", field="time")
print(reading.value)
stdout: 11:23:36
